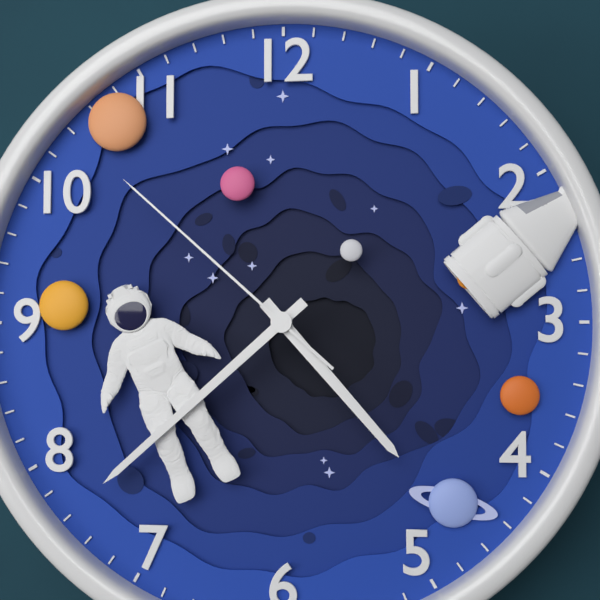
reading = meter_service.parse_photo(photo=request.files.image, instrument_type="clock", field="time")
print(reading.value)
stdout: 4:38:52
